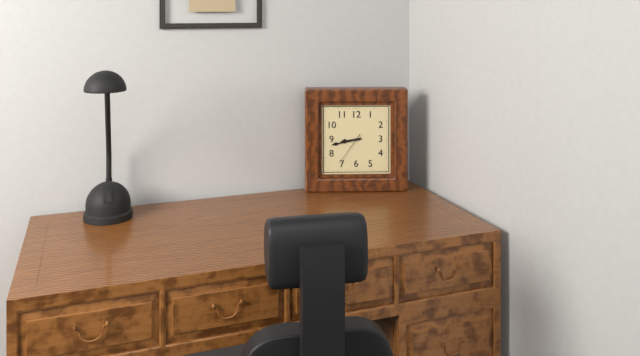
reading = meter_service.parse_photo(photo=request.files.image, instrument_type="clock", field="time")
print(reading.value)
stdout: 8:43
